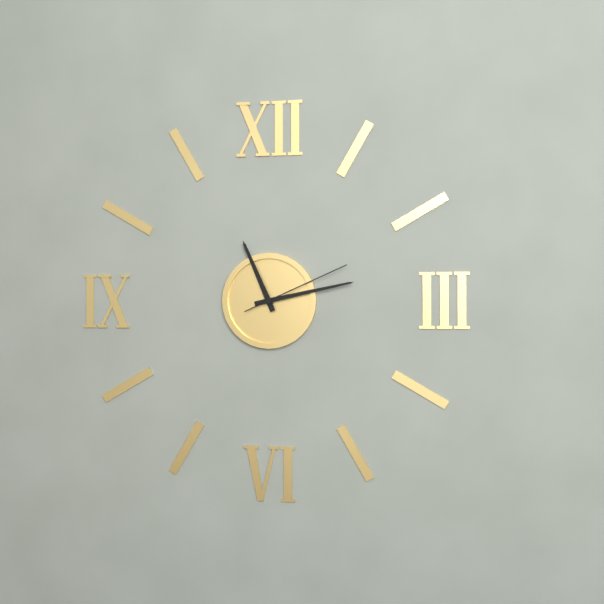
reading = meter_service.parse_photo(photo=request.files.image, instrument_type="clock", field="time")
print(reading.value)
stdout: 11:13:11
